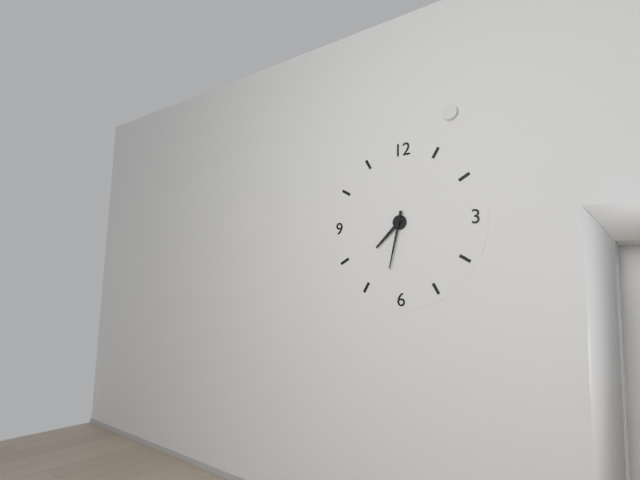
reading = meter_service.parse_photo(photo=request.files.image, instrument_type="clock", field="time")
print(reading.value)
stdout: 7:32
